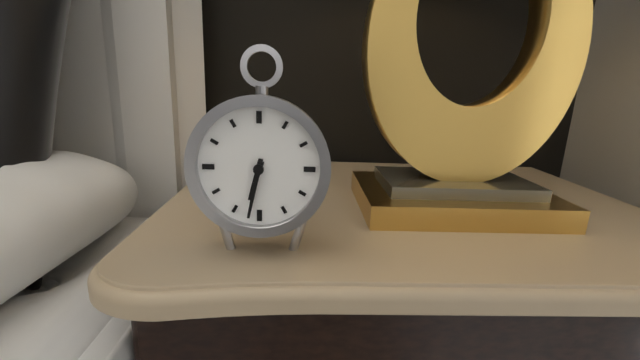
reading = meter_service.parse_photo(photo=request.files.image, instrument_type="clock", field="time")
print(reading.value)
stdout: 6:32
